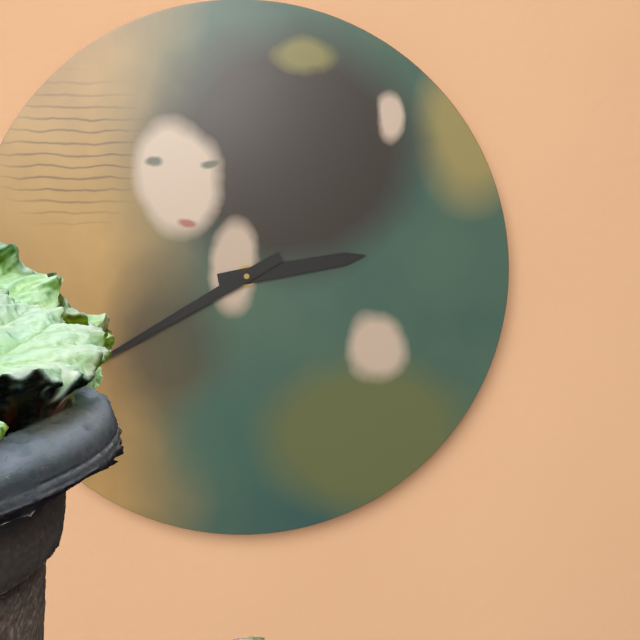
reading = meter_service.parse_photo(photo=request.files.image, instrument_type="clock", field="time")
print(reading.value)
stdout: 2:40
